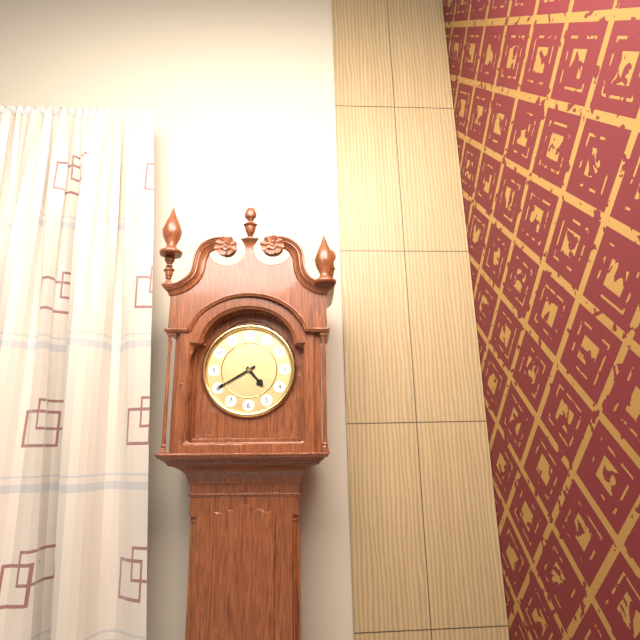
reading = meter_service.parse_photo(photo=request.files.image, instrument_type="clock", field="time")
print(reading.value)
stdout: 4:40
